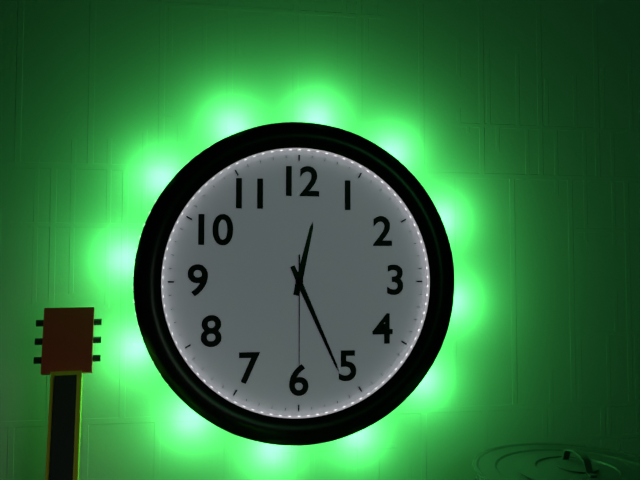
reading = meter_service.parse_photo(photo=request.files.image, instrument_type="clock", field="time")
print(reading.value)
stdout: 12:26:30
